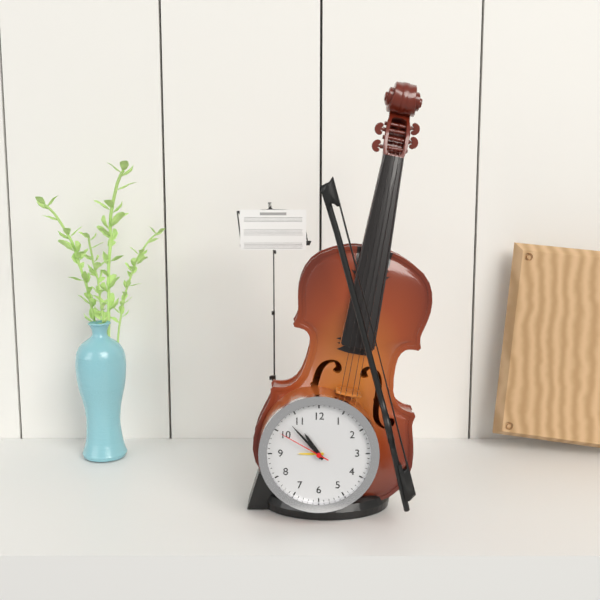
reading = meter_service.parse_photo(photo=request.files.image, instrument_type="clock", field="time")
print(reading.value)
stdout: 10:53:50
